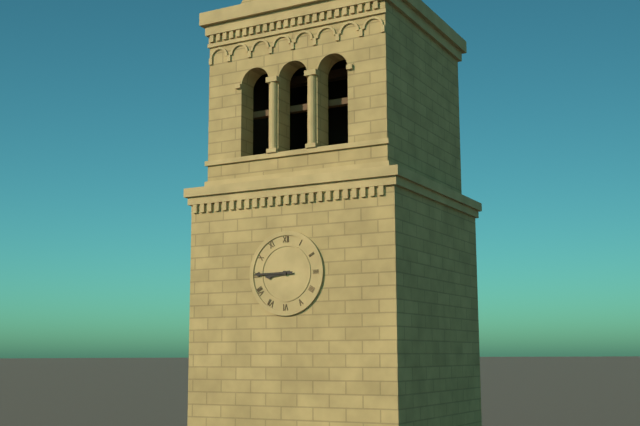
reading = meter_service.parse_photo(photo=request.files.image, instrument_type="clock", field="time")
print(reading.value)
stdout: 8:45
